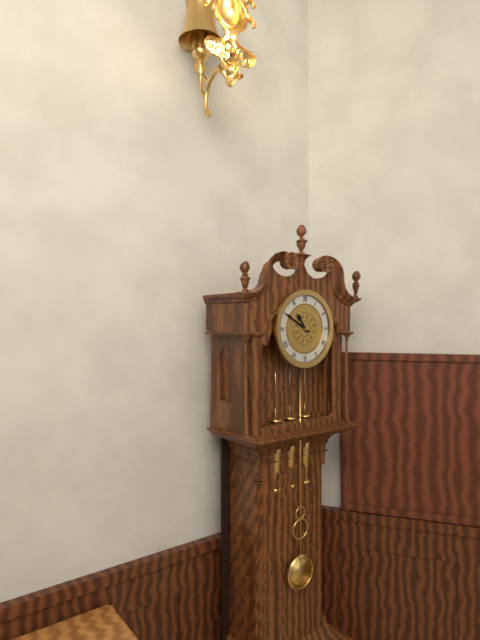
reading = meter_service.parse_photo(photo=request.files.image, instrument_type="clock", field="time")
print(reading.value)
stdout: 10:50
